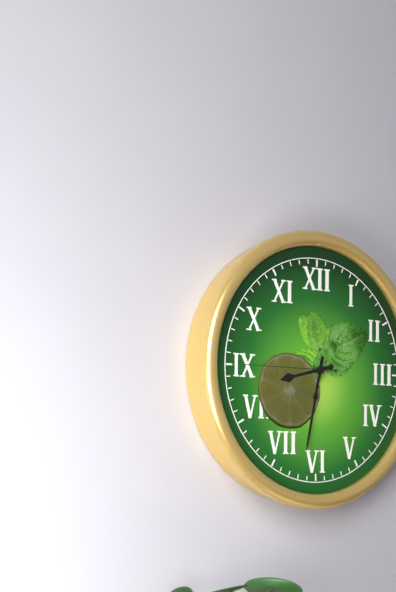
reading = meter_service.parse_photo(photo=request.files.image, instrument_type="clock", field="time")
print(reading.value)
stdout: 8:32:45
